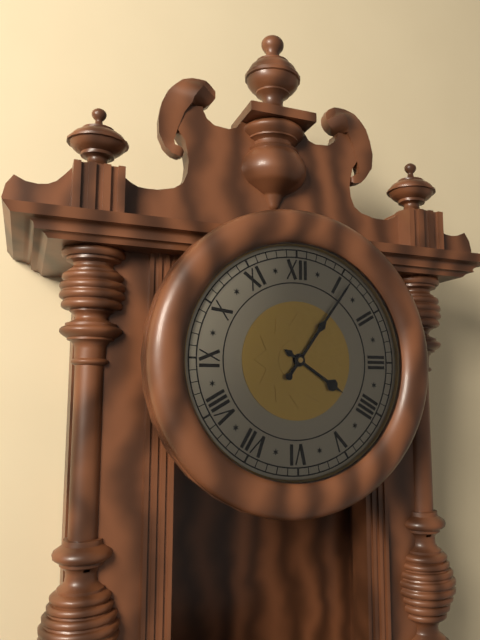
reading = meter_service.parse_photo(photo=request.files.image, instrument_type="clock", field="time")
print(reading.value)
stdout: 4:06
